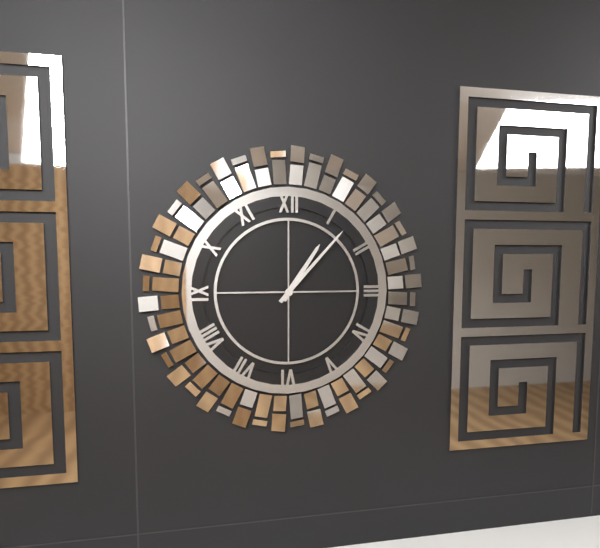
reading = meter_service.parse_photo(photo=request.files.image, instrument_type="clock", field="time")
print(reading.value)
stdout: 1:07
